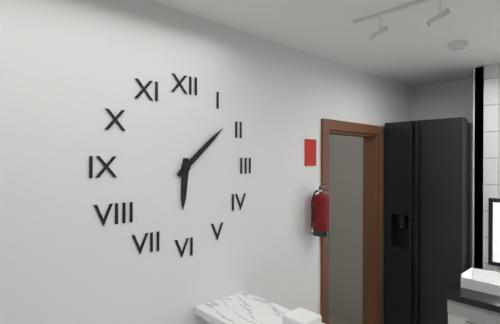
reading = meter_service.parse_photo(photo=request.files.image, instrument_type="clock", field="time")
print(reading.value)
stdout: 6:08
